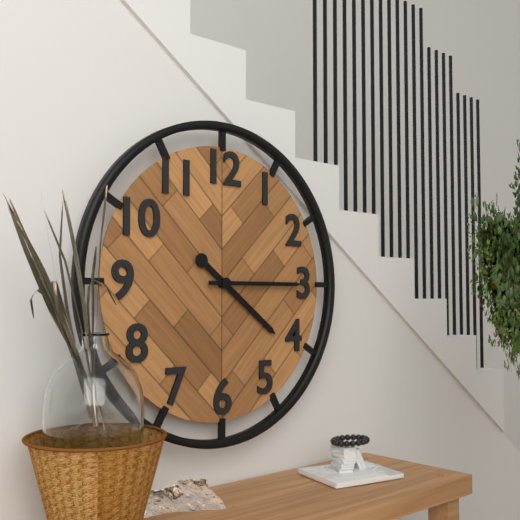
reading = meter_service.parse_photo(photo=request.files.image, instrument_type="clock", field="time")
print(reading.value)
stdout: 4:15
